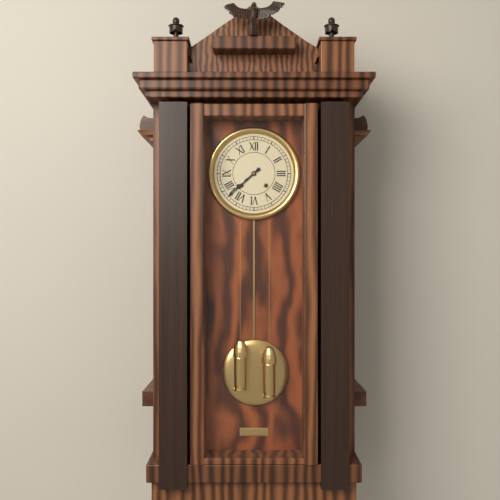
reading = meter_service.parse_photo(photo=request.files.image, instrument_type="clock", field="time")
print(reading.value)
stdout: 7:38
